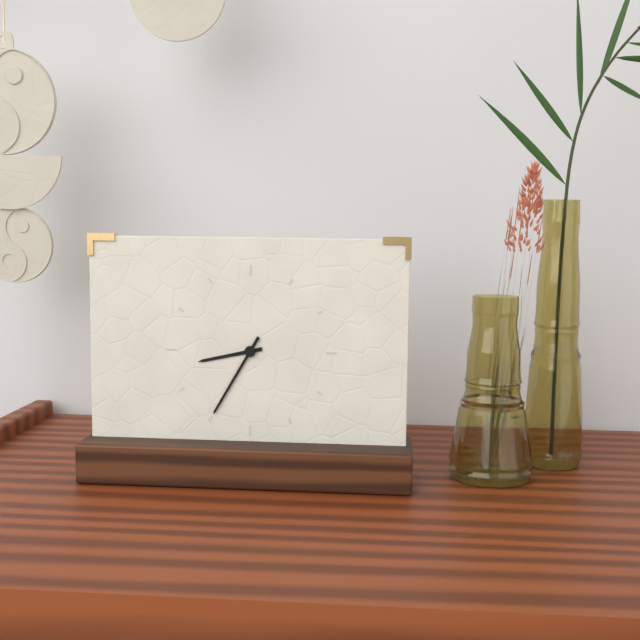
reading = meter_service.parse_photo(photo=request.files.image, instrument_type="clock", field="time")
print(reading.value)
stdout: 8:35
